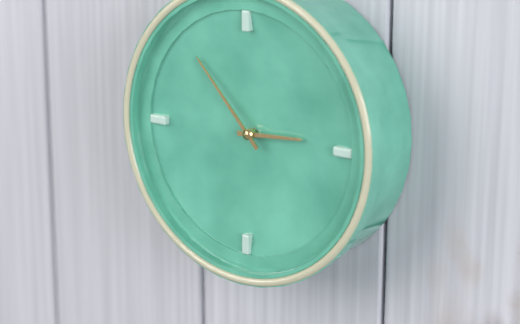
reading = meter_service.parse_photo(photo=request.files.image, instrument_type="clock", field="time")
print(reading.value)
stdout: 2:53
